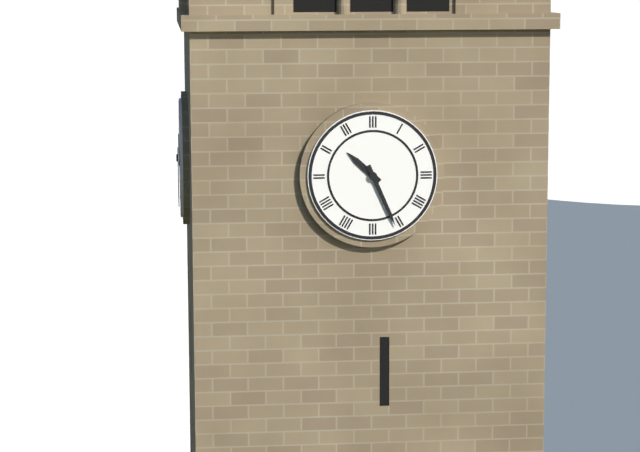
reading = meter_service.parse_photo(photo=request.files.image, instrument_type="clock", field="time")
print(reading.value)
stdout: 10:26
